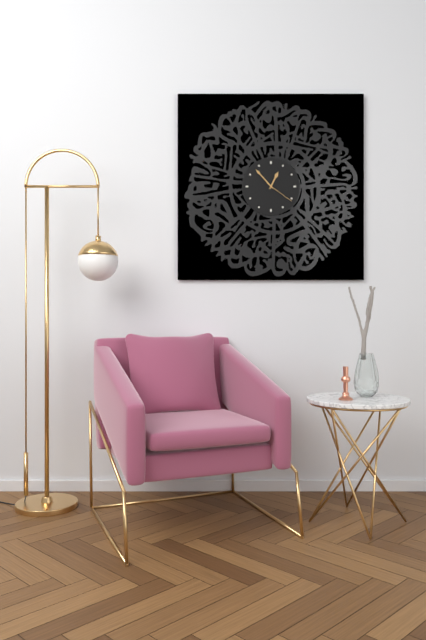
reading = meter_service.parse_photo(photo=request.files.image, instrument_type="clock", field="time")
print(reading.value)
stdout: 12:53
